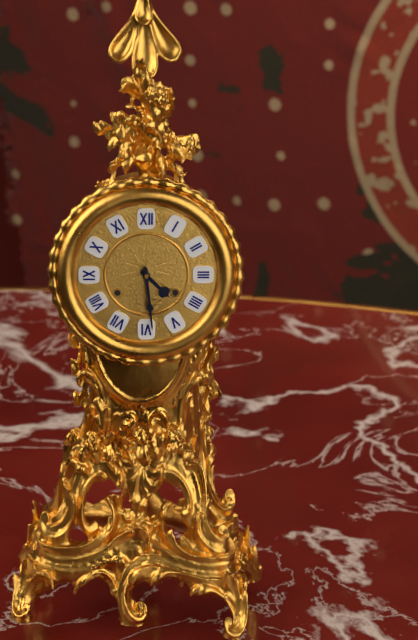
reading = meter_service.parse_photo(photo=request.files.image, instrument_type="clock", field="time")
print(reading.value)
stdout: 4:29
